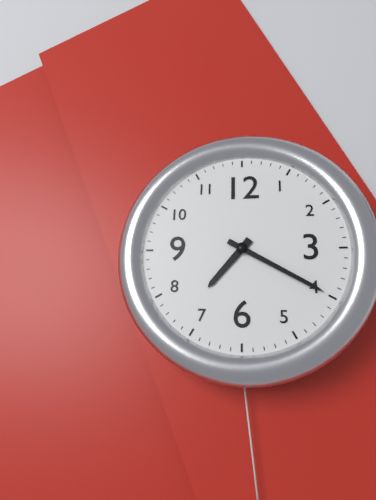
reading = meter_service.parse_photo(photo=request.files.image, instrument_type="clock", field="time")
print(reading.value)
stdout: 7:20
